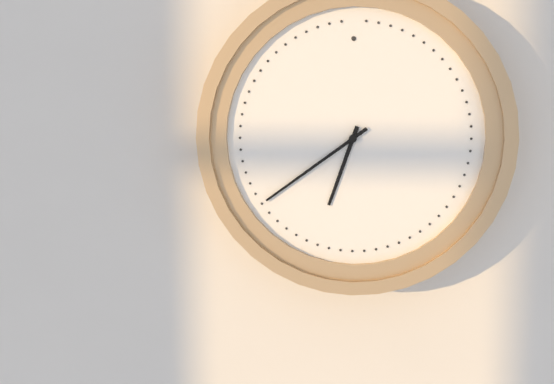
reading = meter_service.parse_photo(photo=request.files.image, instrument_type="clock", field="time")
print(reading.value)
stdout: 6:39
